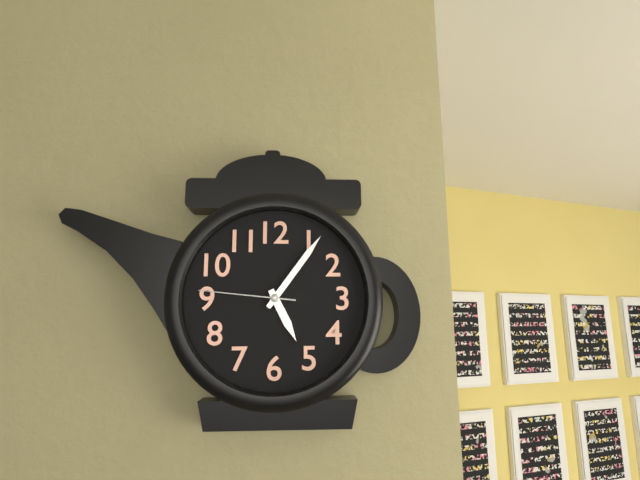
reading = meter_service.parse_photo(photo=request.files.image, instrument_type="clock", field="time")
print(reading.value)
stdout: 5:06:46
